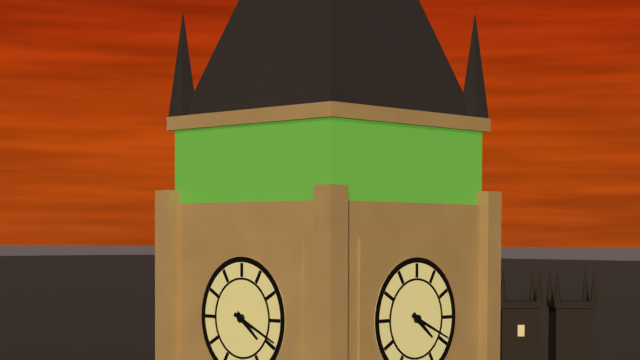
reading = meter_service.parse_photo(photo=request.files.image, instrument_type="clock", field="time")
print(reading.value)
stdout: 4:19
